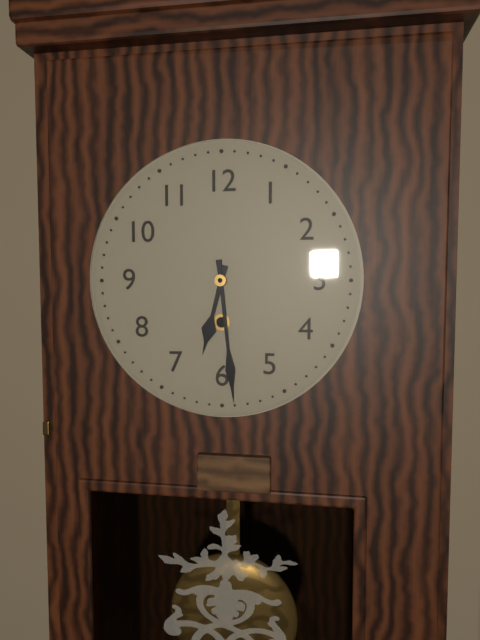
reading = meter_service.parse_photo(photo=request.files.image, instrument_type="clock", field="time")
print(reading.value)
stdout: 6:29
